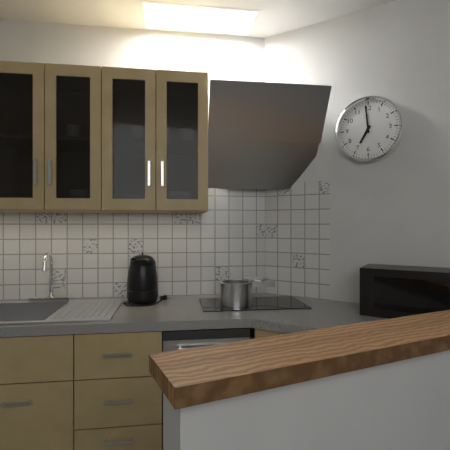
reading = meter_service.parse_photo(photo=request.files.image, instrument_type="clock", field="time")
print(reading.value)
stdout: 6:59
